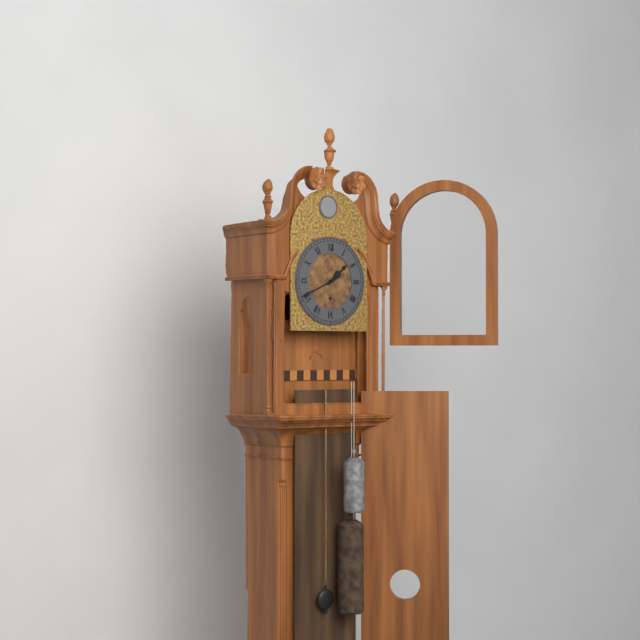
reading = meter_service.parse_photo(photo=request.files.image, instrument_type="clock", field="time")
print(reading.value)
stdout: 1:41
